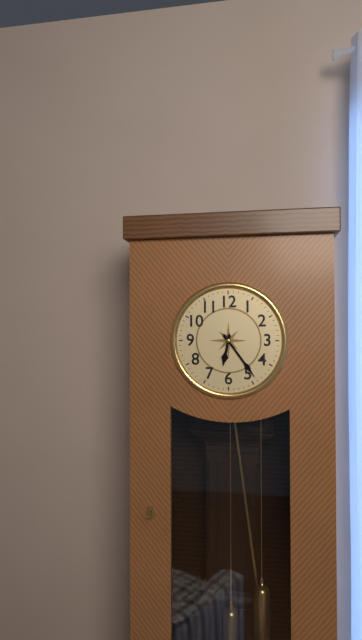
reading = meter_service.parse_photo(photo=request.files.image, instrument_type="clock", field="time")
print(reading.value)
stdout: 6:24
